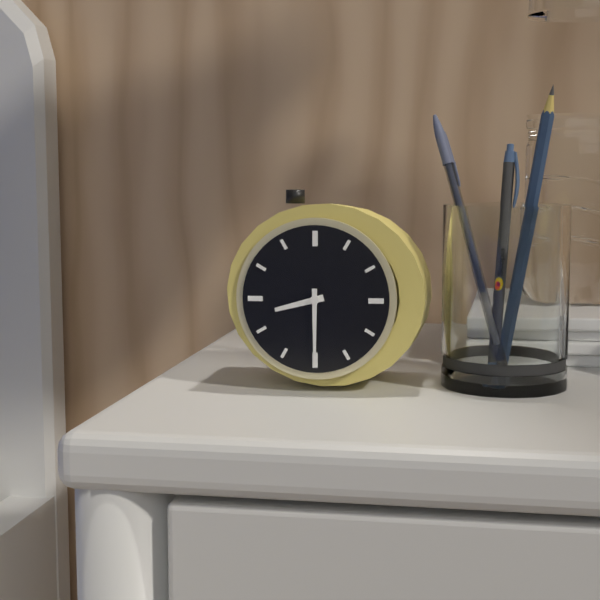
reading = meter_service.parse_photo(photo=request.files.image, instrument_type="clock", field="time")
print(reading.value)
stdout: 8:30
